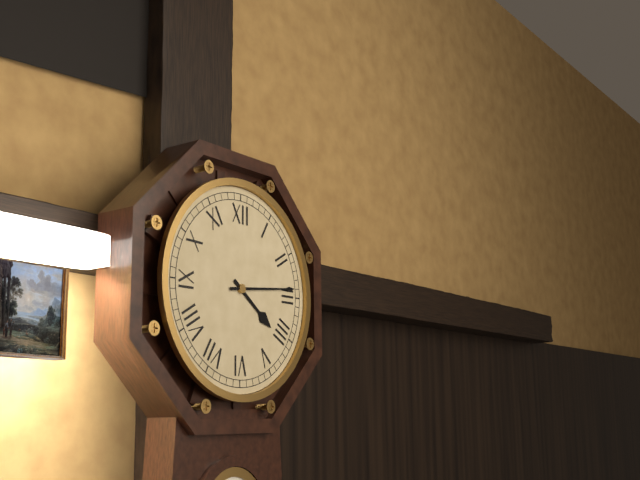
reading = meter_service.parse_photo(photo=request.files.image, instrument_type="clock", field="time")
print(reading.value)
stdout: 4:14
